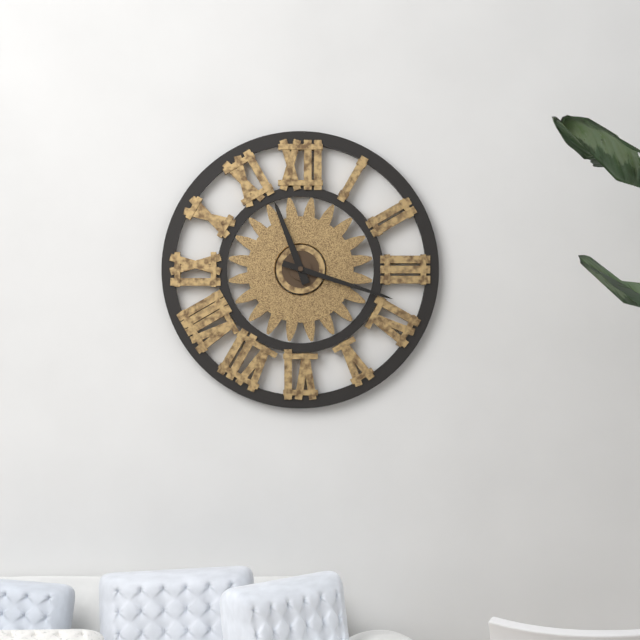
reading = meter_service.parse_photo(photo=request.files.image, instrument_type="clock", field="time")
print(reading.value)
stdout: 11:18
